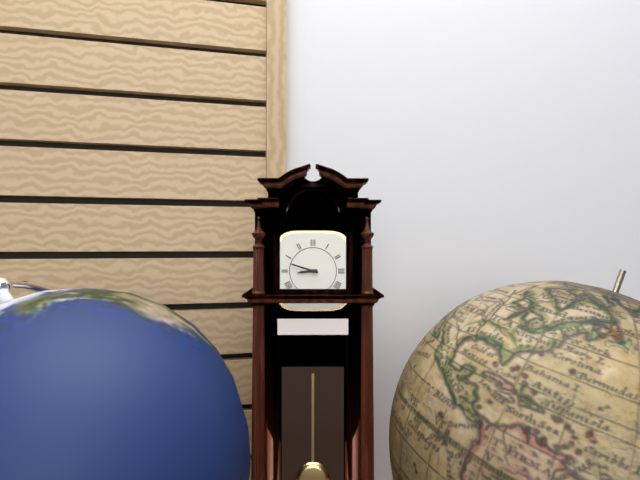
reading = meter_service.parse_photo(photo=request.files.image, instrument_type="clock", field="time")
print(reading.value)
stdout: 8:48
